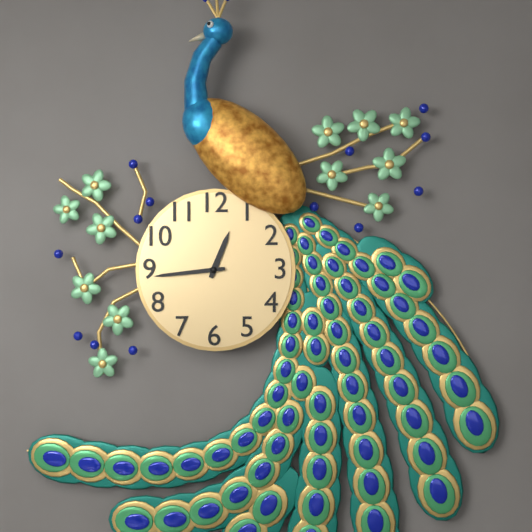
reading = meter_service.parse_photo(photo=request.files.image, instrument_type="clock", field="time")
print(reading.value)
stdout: 12:44
